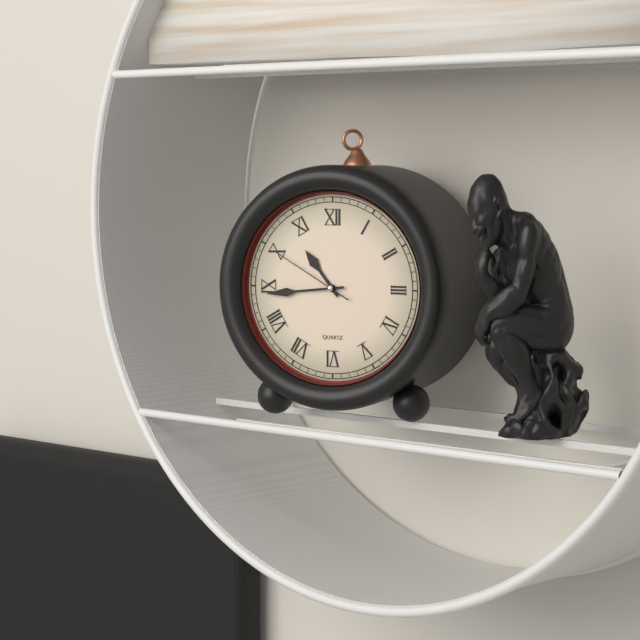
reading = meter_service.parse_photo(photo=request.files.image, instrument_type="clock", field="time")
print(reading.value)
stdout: 10:44:50
